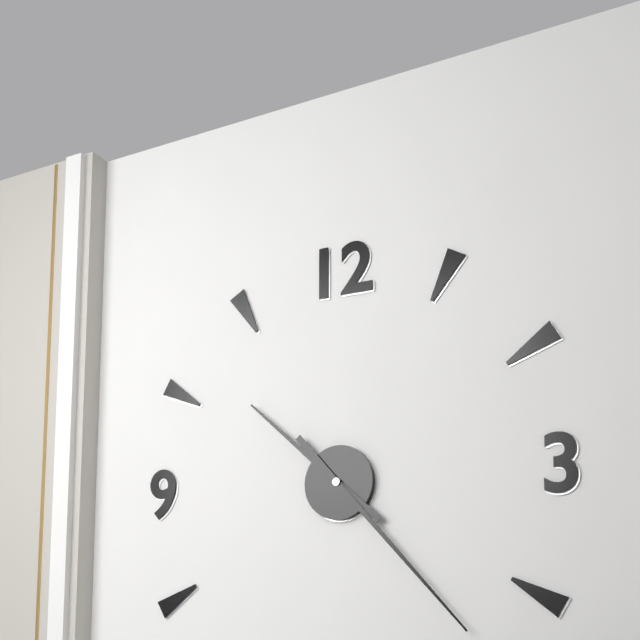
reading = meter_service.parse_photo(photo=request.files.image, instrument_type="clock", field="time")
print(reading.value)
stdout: 10:23
